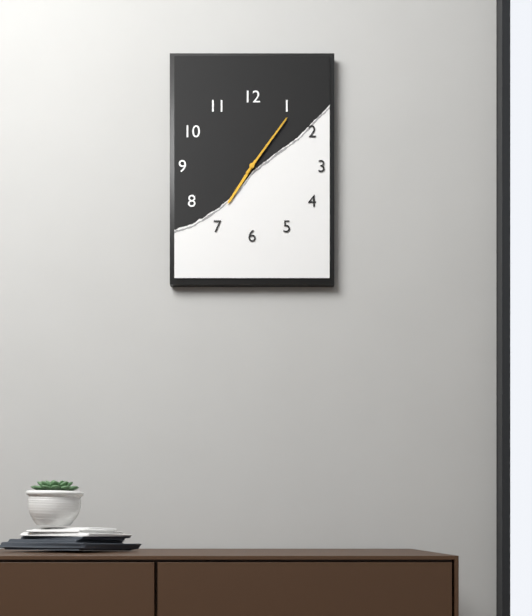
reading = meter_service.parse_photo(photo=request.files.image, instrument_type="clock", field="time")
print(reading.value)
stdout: 7:06
